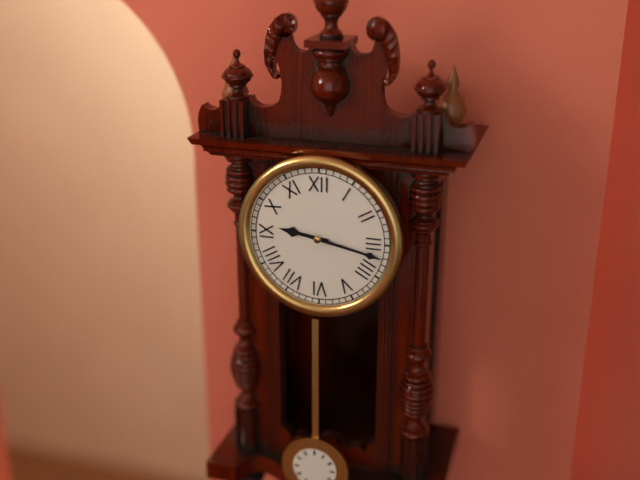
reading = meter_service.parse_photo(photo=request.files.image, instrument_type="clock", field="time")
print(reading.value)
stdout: 9:17
